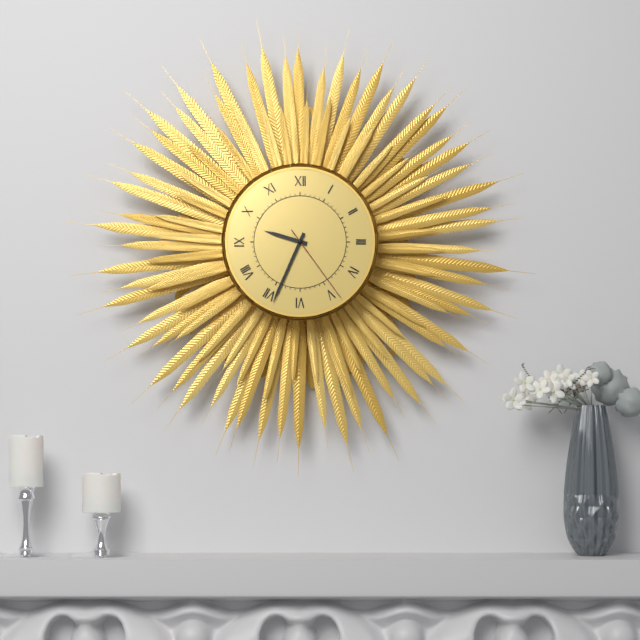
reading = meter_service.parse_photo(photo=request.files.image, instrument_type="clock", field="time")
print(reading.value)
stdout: 9:34:24
